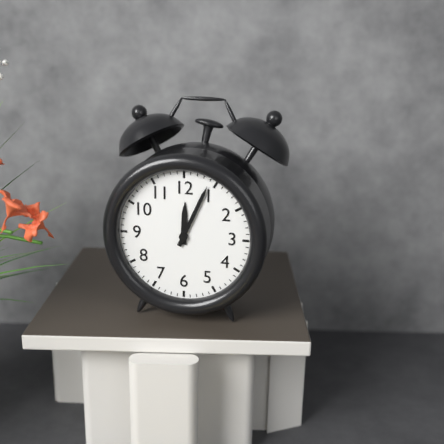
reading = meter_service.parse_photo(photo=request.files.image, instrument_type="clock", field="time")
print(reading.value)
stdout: 12:04
